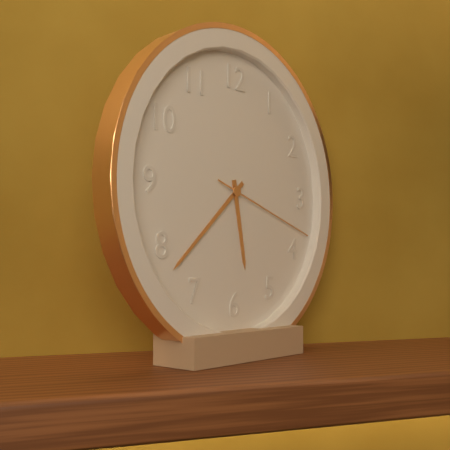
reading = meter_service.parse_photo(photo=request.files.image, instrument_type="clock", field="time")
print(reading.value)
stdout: 5:38:18
